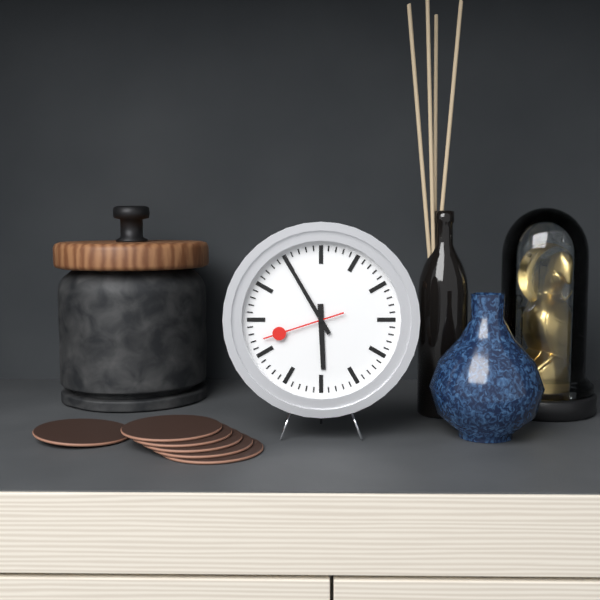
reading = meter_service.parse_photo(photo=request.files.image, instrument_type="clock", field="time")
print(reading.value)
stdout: 5:55:42
